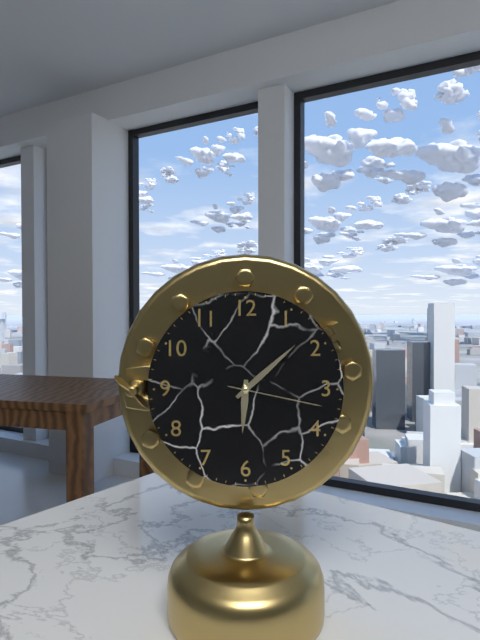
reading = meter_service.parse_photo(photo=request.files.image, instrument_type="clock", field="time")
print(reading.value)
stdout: 6:08:17
